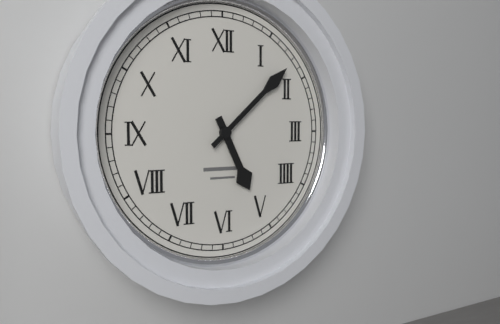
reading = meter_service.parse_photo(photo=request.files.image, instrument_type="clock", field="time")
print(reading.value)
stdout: 5:08
